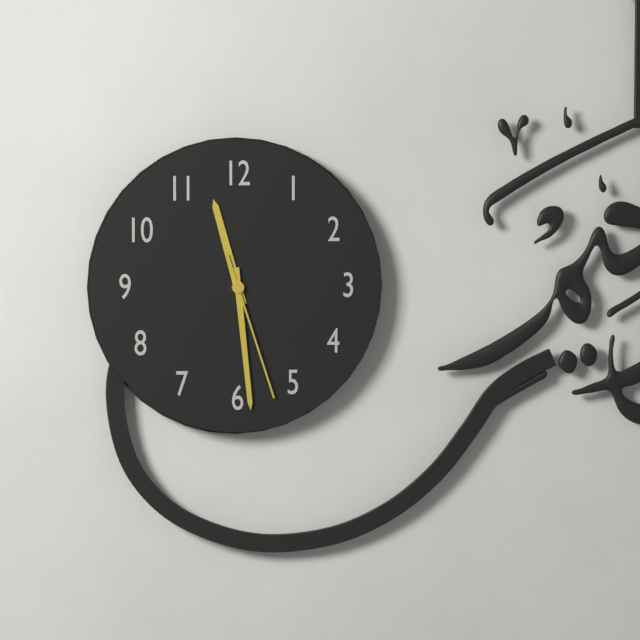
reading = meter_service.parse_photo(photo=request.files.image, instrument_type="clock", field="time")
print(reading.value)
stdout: 11:29:27
